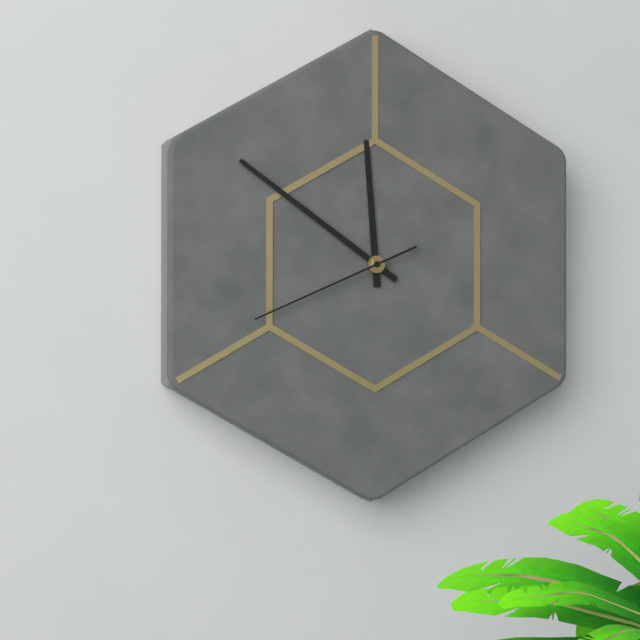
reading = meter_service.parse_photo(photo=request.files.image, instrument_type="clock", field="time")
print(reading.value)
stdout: 11:51:41
